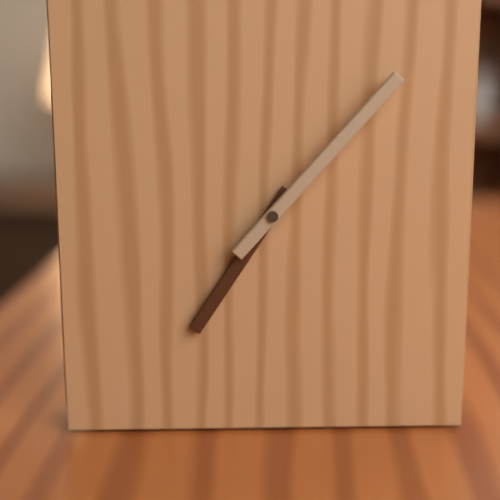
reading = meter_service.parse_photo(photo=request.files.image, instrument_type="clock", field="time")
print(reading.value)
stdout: 7:07
